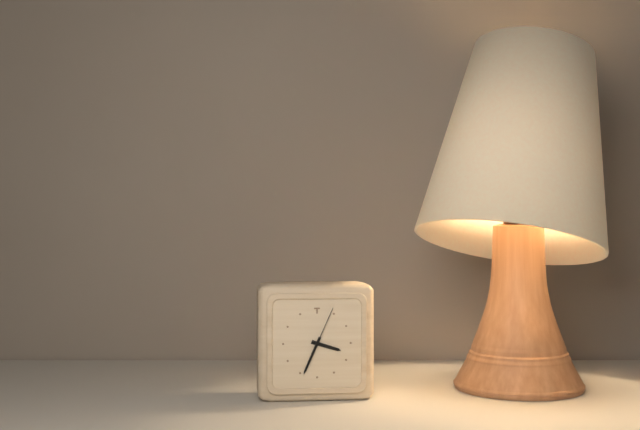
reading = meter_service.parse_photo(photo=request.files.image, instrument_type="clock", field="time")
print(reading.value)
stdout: 3:34
